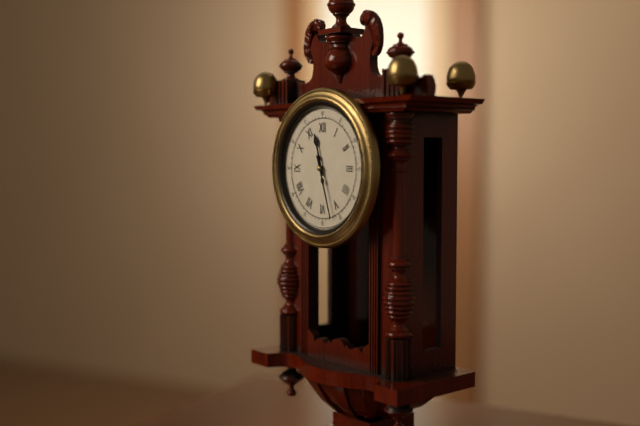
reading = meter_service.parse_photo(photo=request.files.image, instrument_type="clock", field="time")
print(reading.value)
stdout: 11:27
